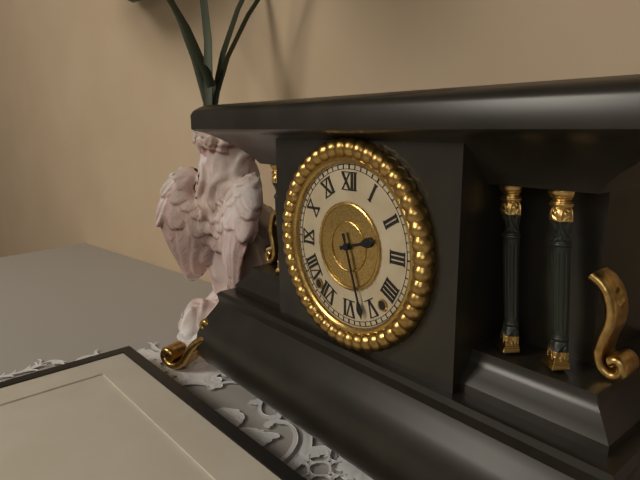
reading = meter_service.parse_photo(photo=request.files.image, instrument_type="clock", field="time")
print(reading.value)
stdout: 2:27
